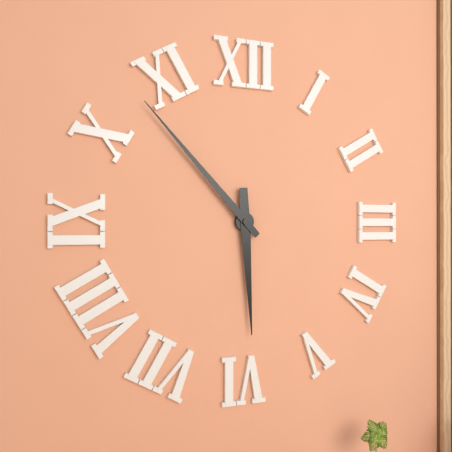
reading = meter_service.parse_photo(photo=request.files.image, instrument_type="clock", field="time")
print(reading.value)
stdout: 5:53
